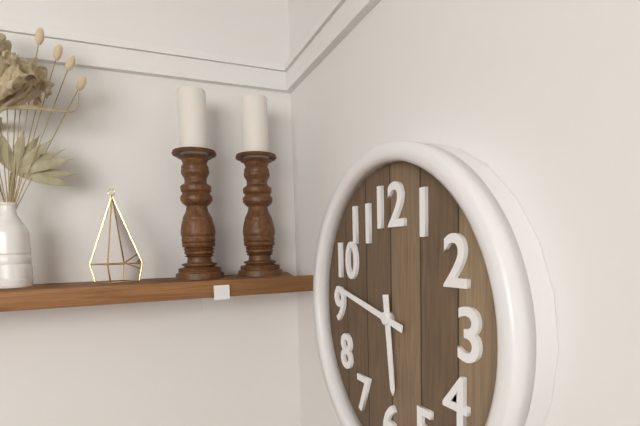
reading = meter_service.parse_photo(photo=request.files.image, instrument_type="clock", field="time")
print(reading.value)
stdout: 5:47
